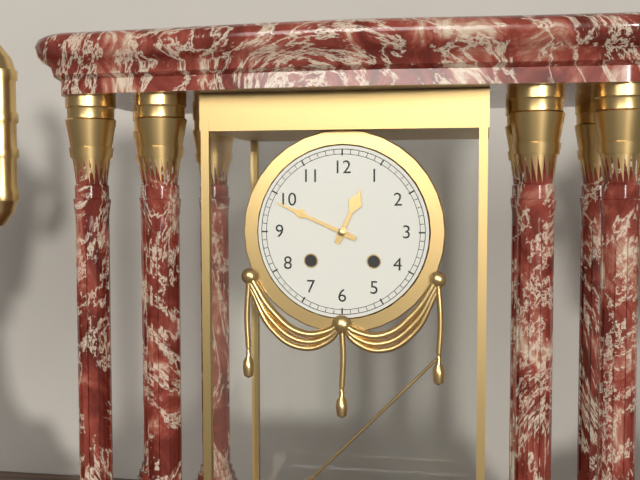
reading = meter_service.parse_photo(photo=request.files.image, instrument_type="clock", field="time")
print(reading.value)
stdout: 12:49
